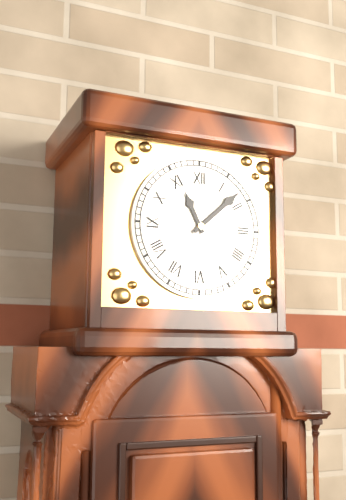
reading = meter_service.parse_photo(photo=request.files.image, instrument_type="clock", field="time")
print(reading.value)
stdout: 11:08
